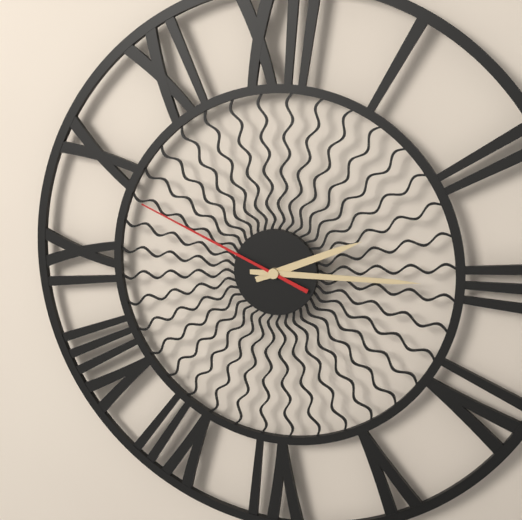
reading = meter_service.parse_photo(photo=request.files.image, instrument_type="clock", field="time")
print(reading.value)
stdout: 2:15:49
